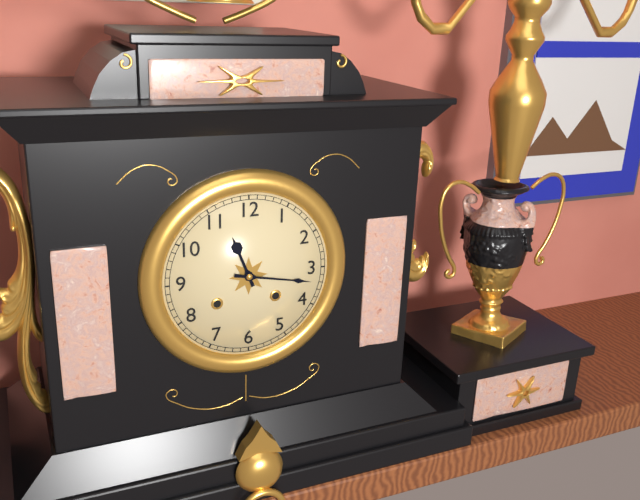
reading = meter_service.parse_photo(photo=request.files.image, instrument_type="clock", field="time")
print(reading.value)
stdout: 11:17
